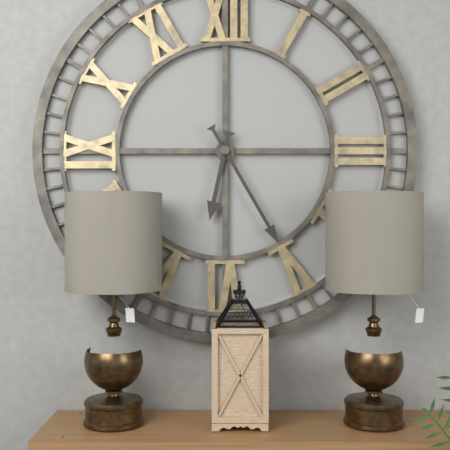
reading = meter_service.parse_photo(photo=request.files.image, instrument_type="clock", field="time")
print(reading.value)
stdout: 6:25
